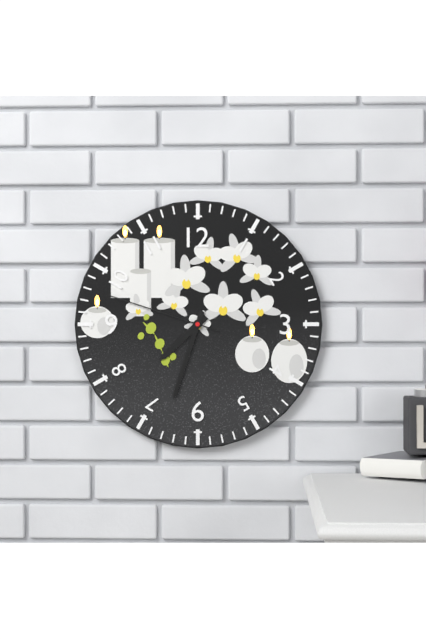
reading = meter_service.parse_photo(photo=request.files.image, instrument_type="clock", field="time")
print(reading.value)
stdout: 7:33:48
